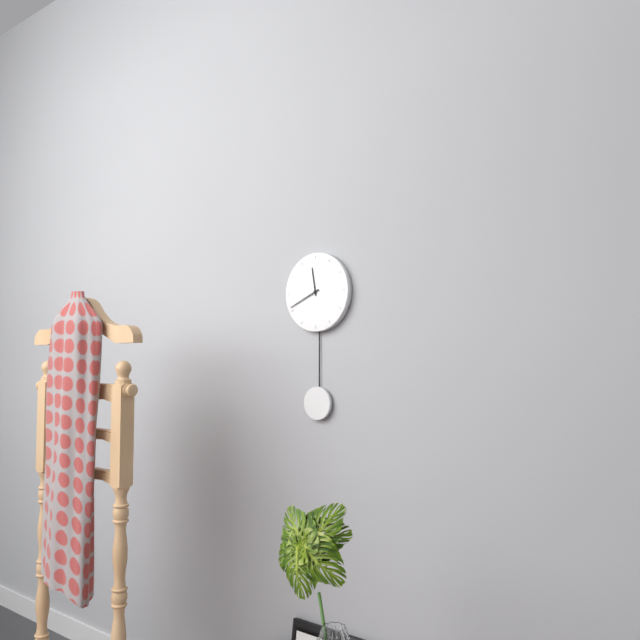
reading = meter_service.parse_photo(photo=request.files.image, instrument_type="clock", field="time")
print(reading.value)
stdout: 11:41
